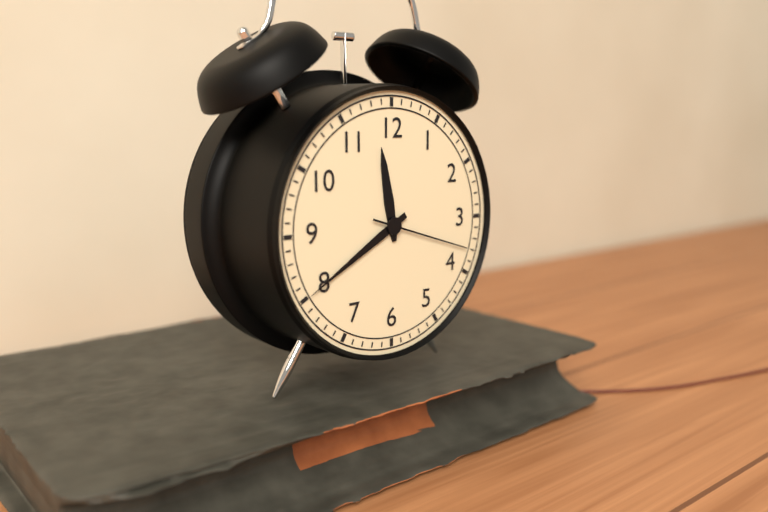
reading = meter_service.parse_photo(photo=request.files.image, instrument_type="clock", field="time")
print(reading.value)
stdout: 11:40:18
